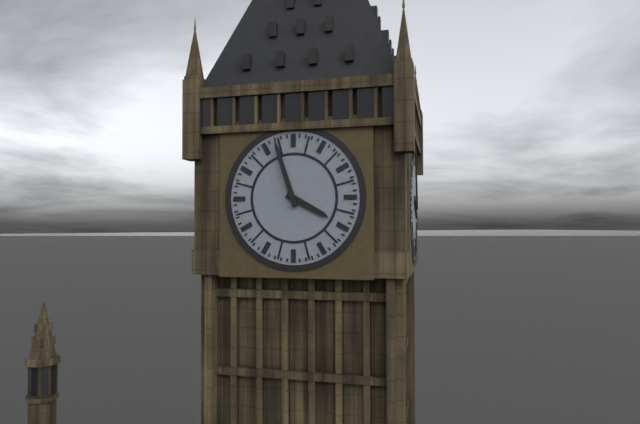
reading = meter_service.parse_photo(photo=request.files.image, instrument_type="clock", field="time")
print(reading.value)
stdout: 3:57
